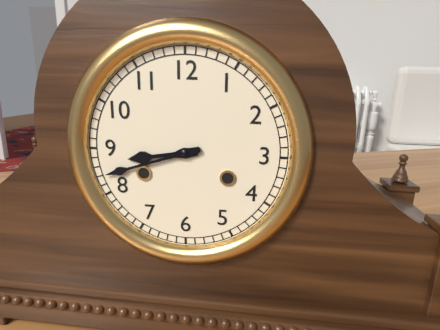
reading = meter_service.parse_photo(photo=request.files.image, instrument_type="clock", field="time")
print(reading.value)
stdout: 8:42
